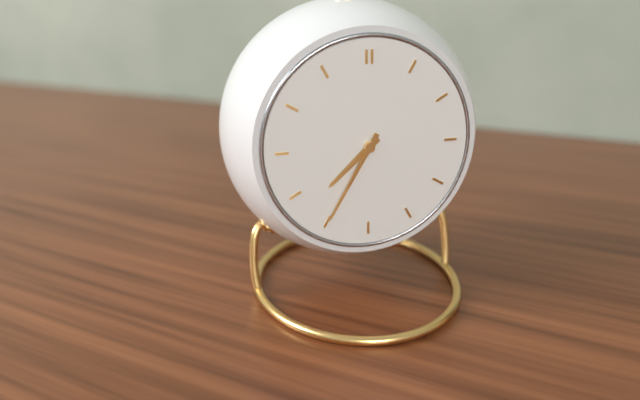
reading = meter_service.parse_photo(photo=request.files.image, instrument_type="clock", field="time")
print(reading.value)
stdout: 7:35
